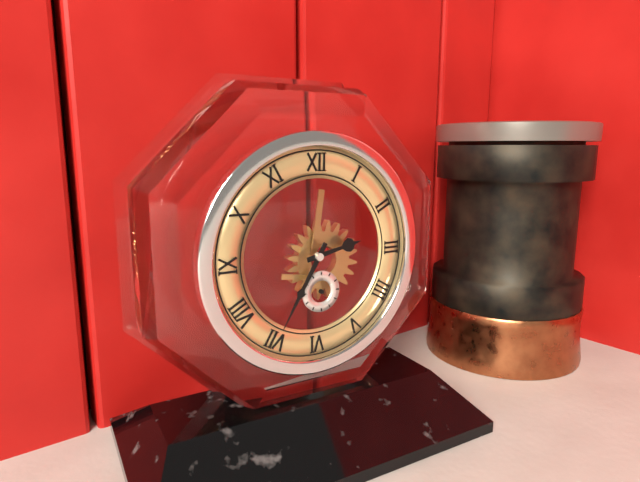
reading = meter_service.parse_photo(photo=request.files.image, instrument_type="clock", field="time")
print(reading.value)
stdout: 2:35
